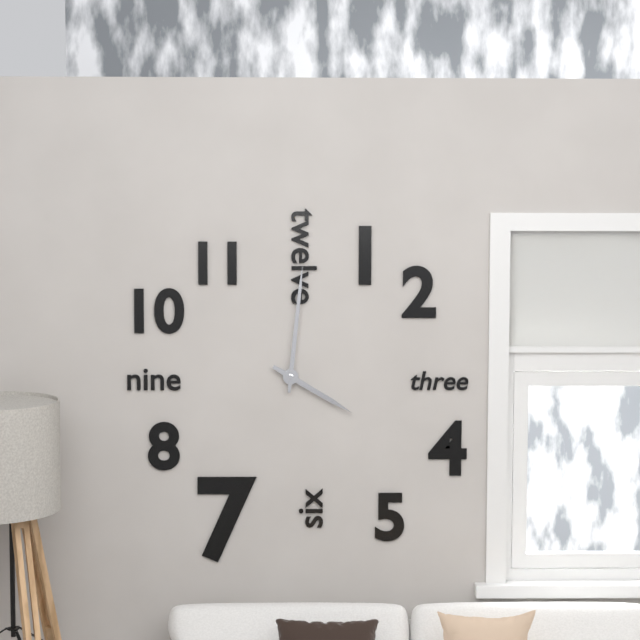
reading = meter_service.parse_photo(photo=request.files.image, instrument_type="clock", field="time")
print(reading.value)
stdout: 4:01
